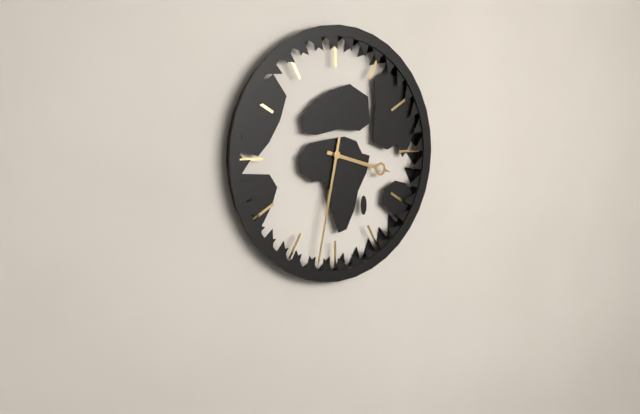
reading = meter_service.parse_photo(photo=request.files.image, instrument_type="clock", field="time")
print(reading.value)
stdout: 3:32
